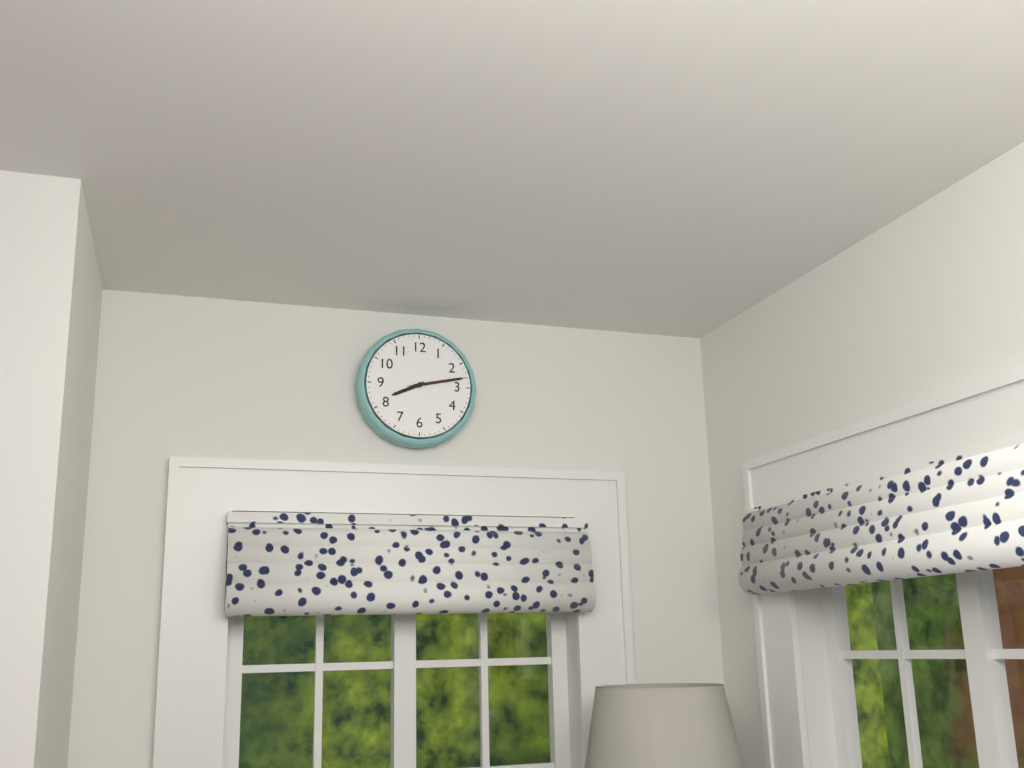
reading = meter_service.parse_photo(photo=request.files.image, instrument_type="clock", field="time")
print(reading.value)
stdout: 8:13:13
